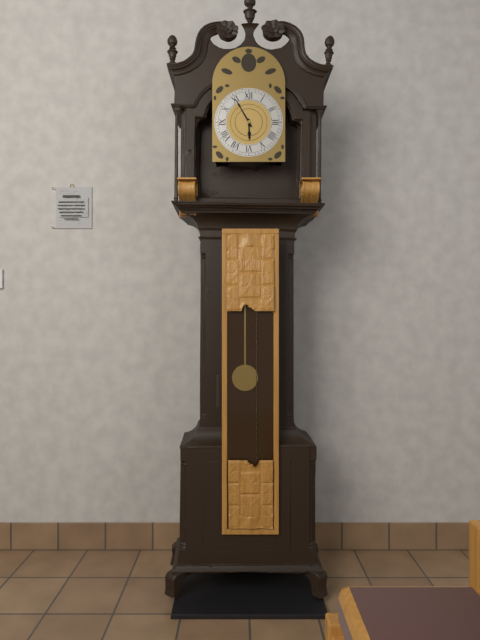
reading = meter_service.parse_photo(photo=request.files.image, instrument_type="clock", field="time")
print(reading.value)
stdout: 5:55
